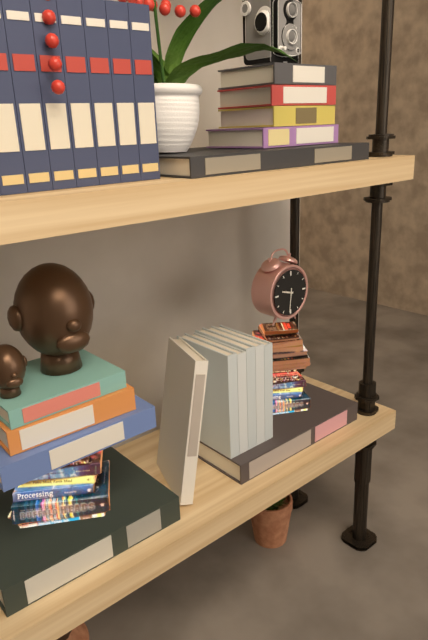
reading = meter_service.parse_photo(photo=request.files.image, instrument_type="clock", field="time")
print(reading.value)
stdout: 9:31
